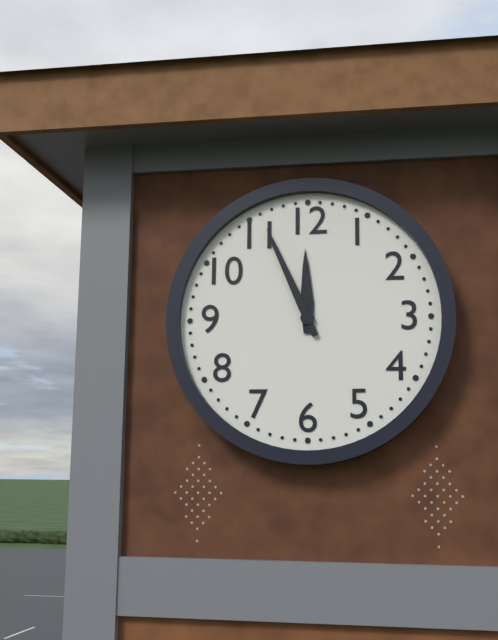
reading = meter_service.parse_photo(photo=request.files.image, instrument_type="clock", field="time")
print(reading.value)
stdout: 11:56
